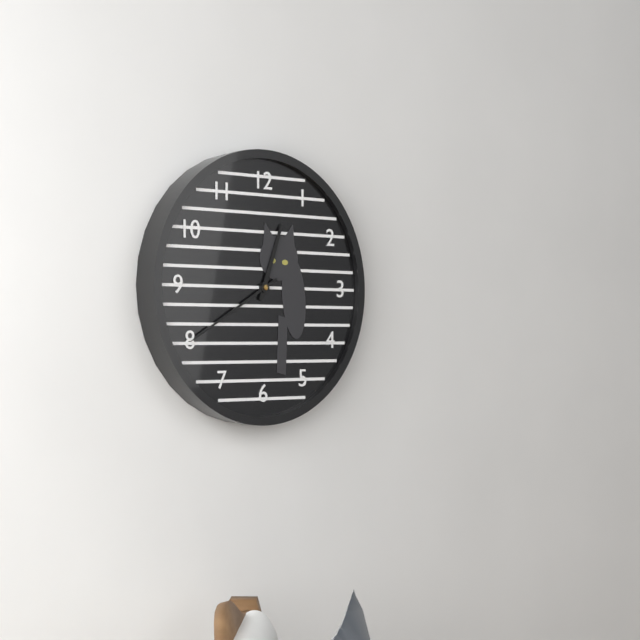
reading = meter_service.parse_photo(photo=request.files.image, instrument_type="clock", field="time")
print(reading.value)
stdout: 12:40
